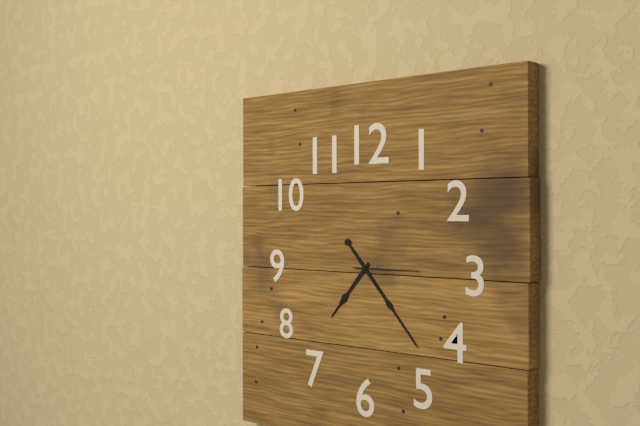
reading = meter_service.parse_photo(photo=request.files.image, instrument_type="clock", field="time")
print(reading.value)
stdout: 7:23:15
